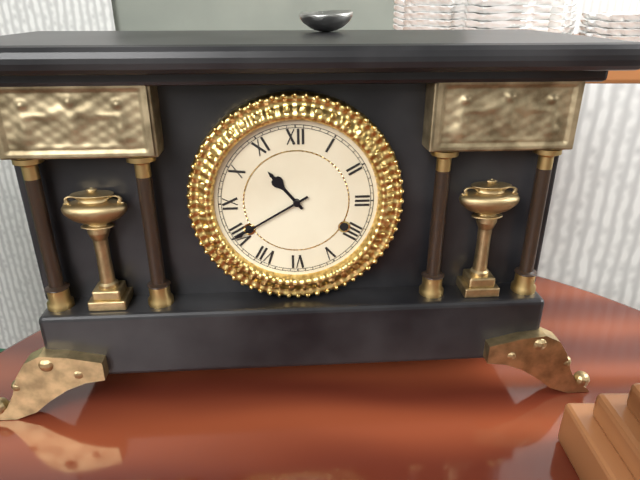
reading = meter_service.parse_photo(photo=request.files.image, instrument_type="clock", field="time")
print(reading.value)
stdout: 10:40
